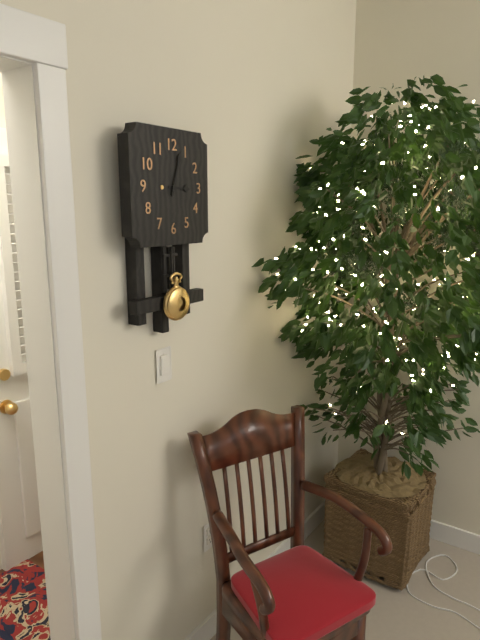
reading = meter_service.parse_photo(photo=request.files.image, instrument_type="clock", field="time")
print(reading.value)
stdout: 3:03
